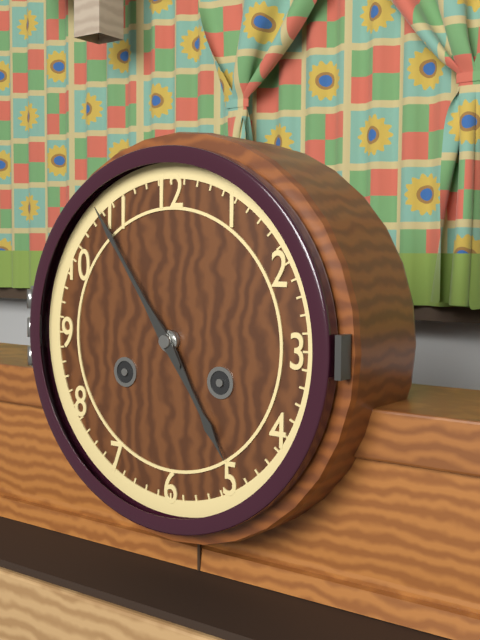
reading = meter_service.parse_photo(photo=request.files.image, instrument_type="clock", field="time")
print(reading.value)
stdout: 4:54
